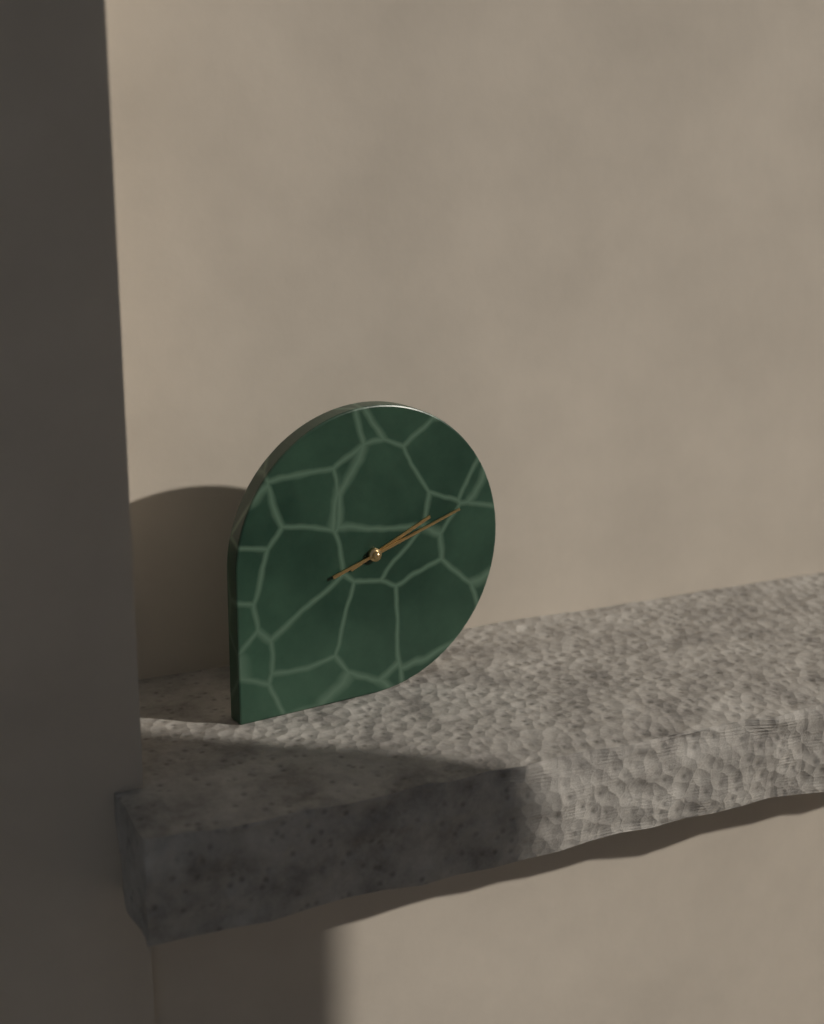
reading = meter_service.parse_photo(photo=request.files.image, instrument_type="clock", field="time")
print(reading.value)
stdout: 2:12
